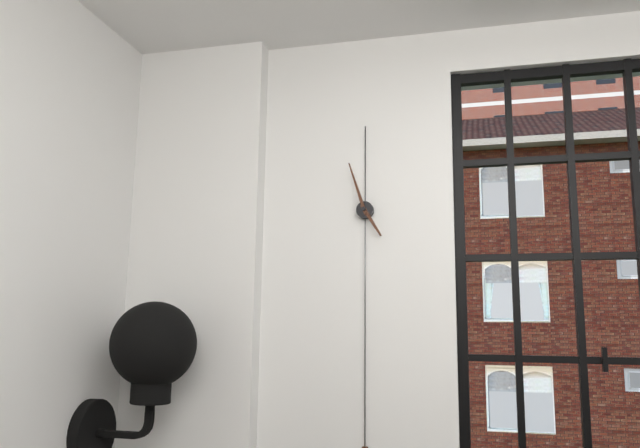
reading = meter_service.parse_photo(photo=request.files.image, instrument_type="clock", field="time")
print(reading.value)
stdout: 4:57
